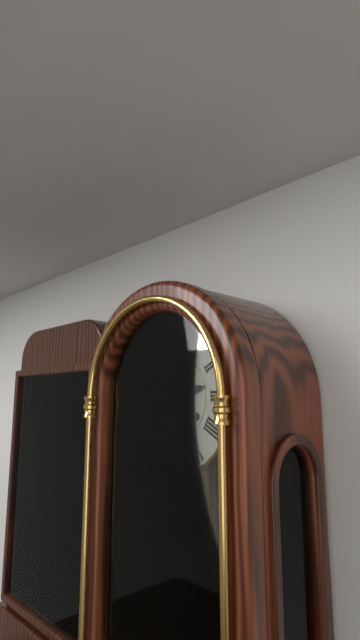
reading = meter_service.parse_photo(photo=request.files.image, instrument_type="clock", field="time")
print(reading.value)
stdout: 2:35
